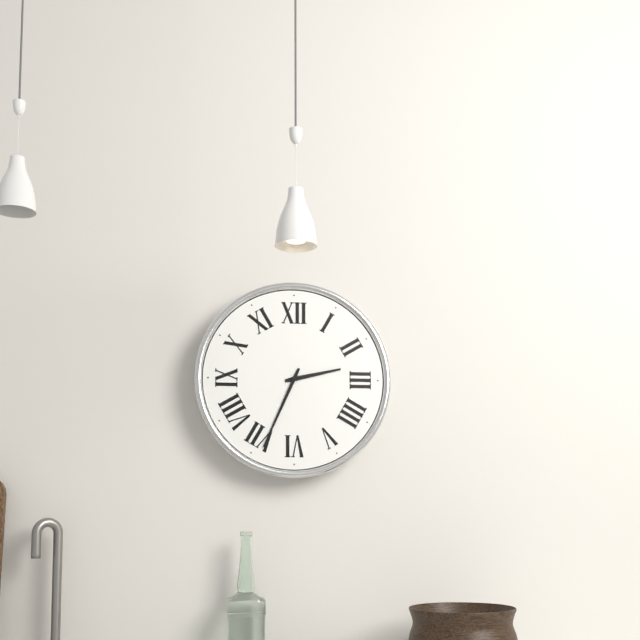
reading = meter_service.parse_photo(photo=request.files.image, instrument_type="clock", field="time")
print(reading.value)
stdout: 2:34
